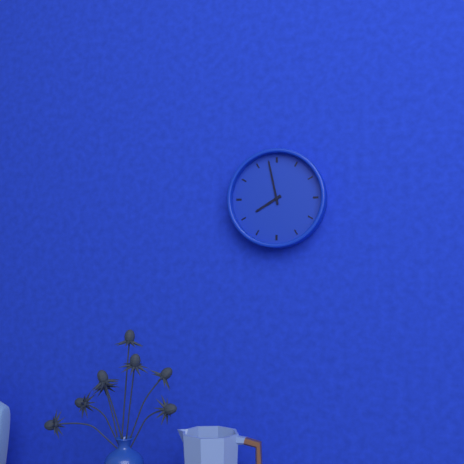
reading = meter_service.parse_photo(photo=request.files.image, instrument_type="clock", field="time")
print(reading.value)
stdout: 7:58
